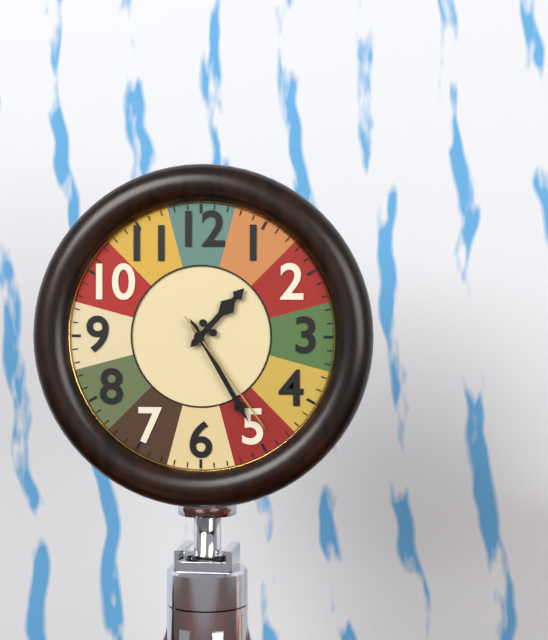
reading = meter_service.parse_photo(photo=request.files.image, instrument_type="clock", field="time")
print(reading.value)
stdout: 1:25:24
